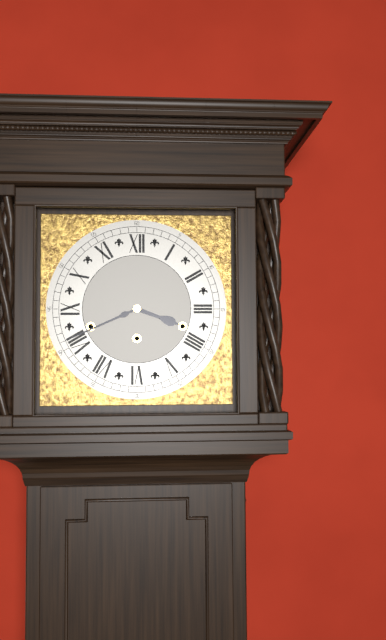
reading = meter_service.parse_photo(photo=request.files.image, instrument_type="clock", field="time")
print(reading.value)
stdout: 3:41
